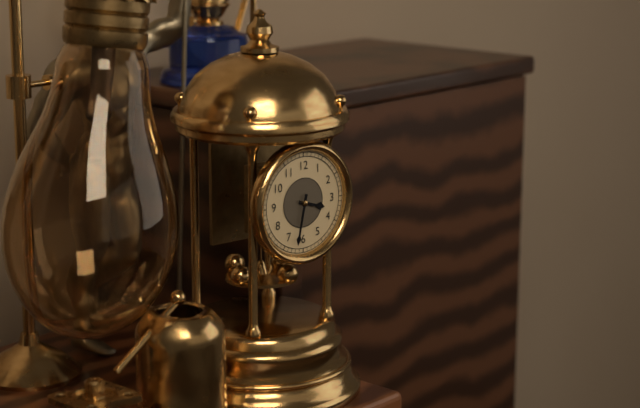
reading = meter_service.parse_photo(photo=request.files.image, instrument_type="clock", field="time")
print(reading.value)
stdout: 3:32
